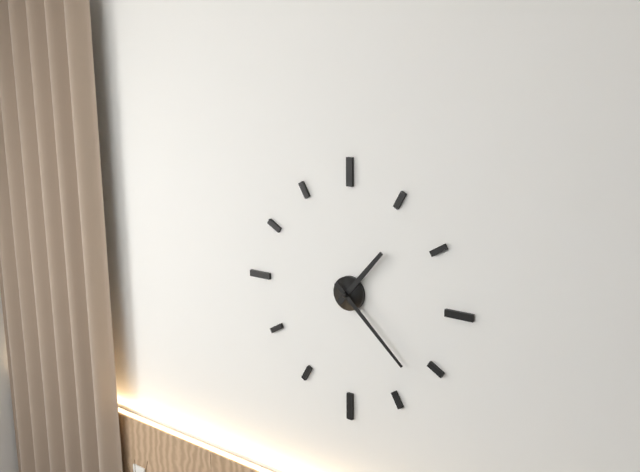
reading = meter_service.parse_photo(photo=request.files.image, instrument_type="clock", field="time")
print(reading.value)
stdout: 1:22
